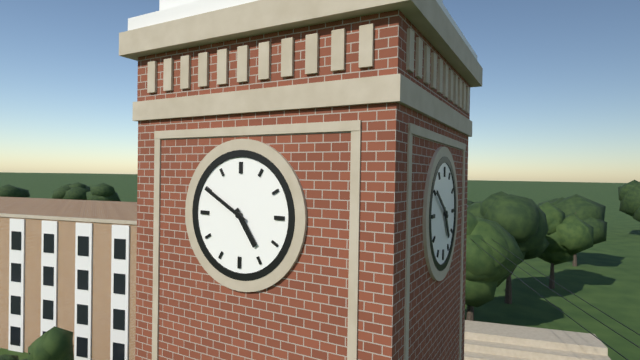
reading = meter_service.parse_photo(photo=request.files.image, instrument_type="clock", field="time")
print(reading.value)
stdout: 4:50
